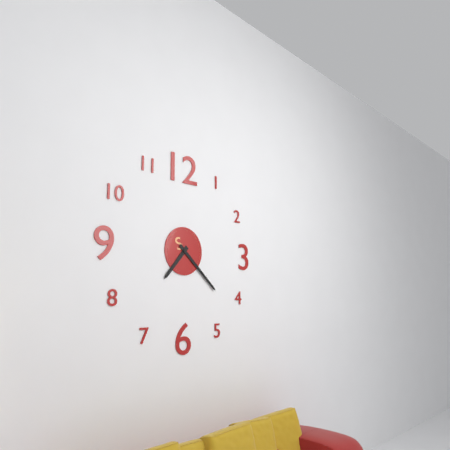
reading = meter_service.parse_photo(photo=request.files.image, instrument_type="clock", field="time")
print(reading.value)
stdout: 7:22
